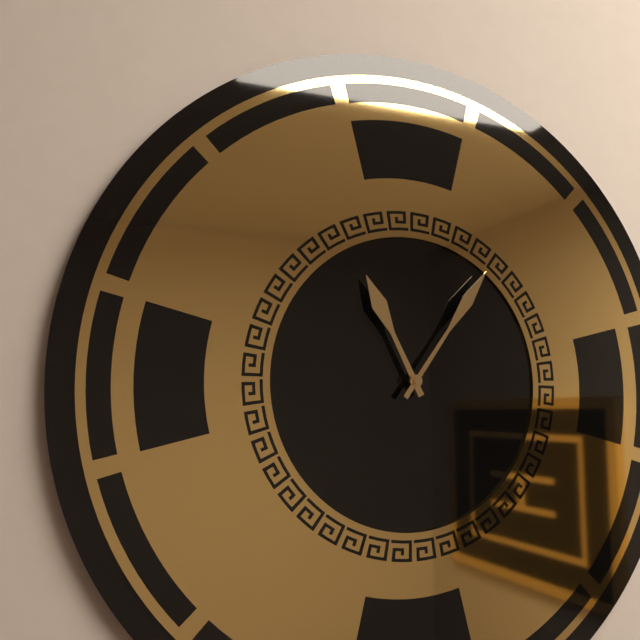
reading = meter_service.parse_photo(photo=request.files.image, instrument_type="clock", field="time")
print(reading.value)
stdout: 11:06
